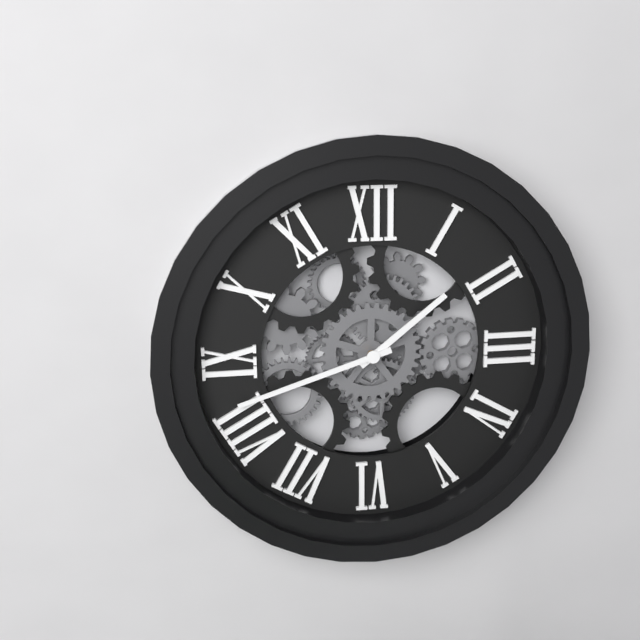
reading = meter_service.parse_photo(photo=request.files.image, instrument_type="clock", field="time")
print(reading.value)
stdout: 1:42
